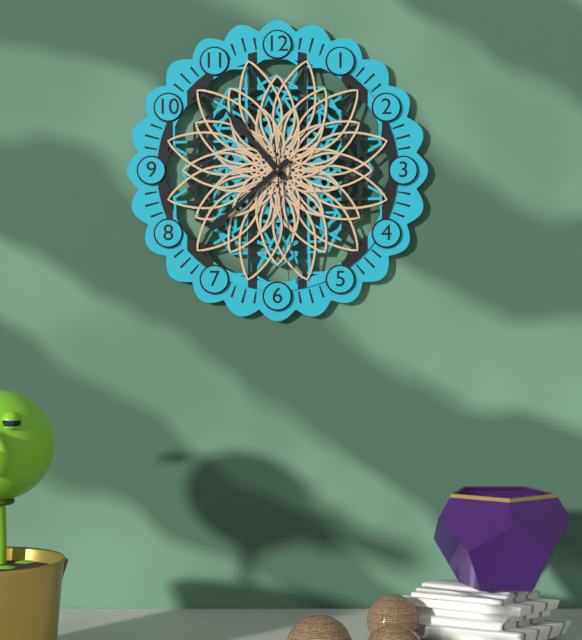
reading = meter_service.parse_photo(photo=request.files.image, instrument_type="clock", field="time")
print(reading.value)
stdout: 10:38:29
